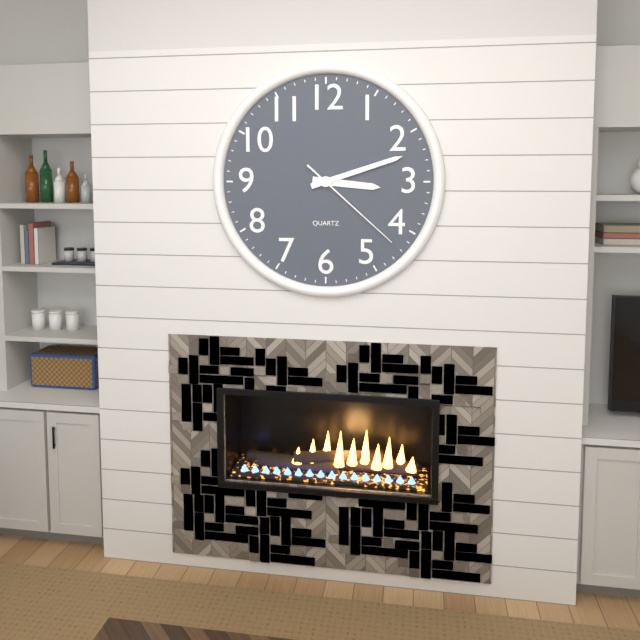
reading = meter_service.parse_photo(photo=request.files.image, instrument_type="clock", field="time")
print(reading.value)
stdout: 3:12:22
